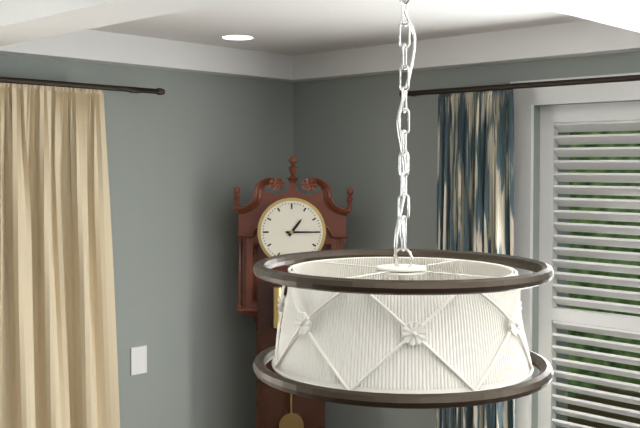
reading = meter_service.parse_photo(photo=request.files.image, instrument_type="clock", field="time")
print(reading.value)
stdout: 1:15
